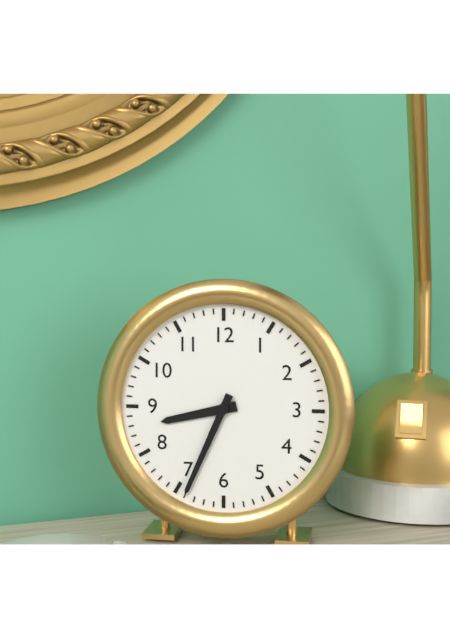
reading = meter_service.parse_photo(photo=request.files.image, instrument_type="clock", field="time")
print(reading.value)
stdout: 8:34
